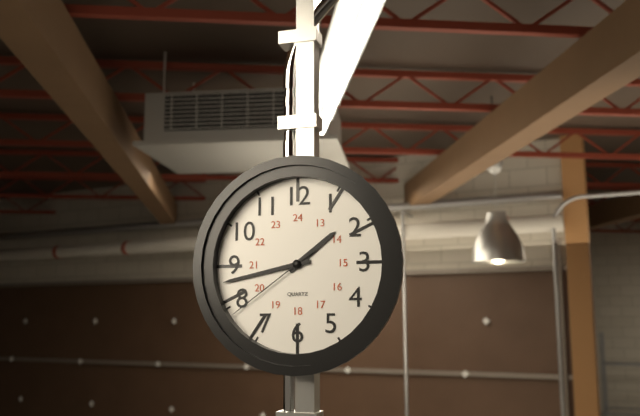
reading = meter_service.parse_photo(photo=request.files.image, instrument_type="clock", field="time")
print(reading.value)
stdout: 1:43:39
